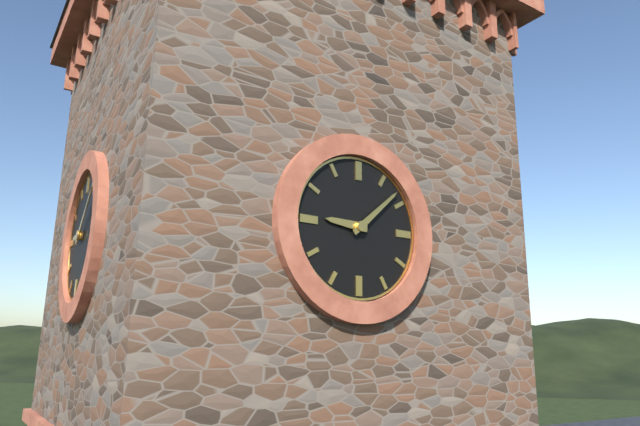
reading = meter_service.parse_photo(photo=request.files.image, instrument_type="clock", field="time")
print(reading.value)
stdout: 9:08
